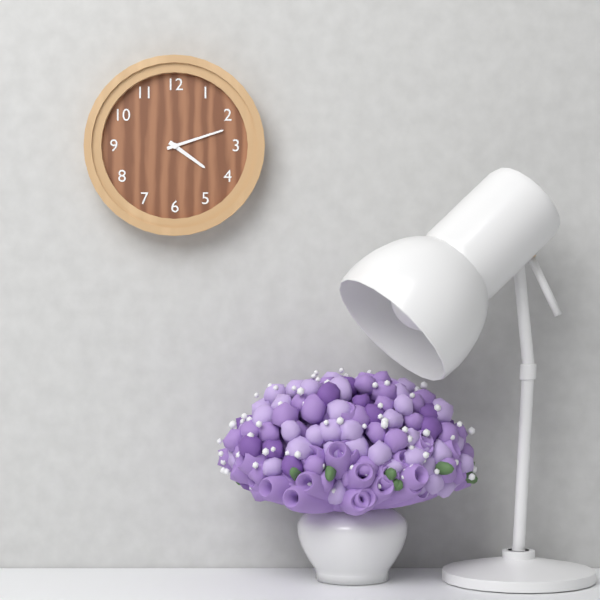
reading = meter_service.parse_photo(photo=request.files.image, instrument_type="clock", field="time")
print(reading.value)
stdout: 4:12
